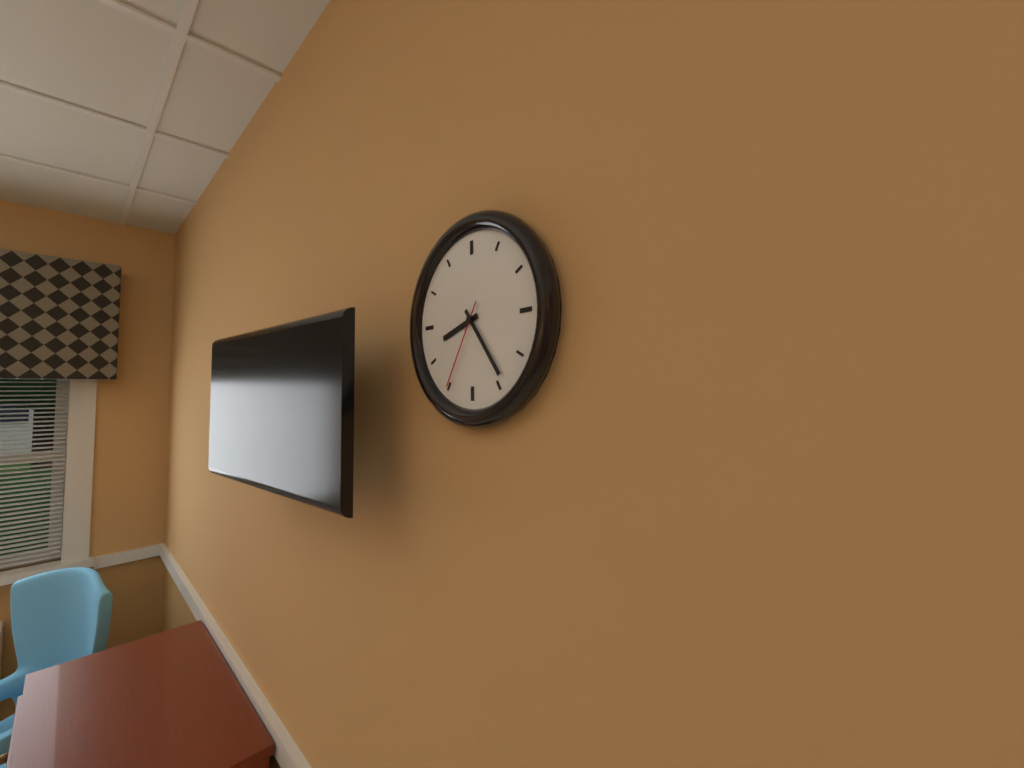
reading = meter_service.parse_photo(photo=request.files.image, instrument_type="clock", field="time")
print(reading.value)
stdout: 8:24:35
